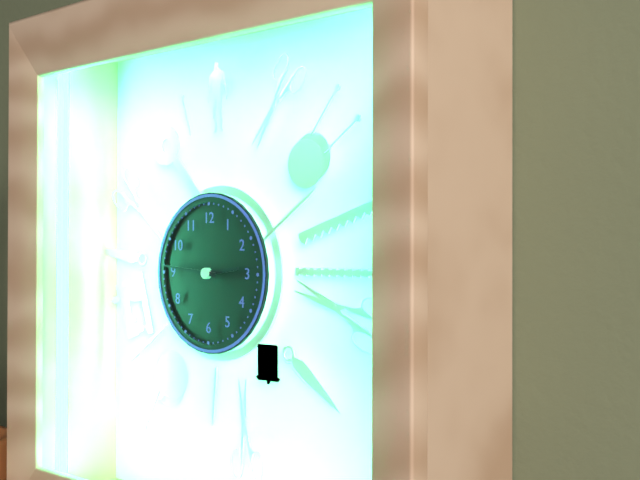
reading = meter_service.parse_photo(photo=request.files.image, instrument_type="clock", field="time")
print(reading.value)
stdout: 2:46
